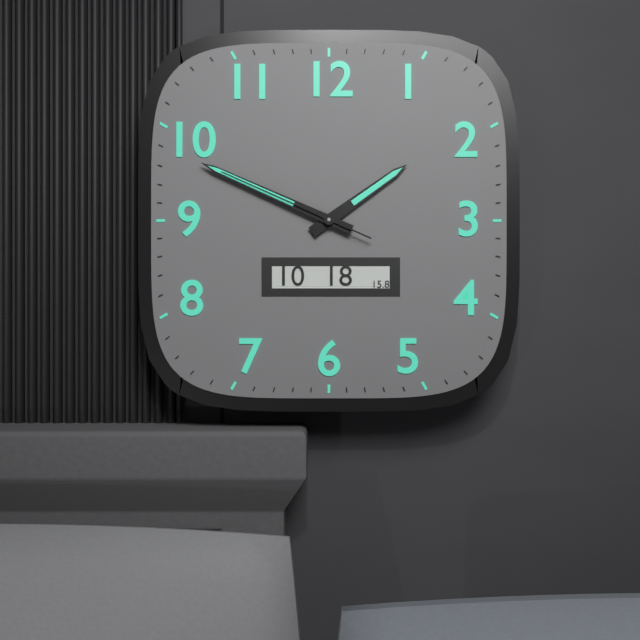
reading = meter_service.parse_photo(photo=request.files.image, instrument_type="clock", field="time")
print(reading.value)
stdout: 1:49:49
